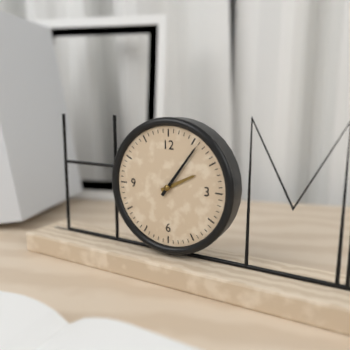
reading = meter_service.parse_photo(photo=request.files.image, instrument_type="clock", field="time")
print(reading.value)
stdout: 2:06
